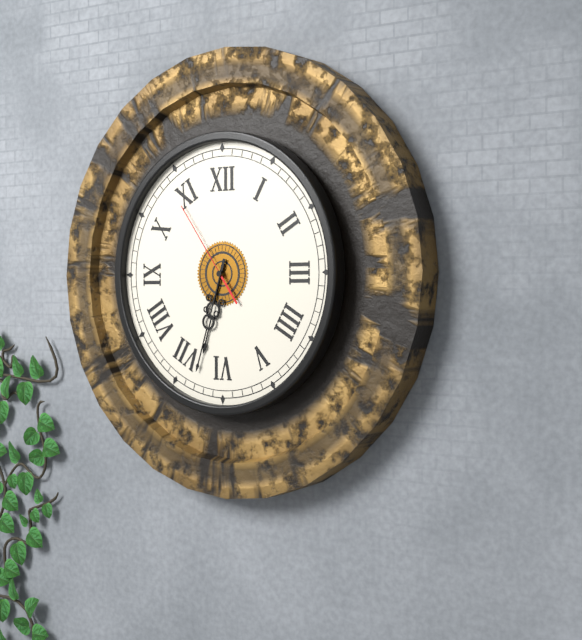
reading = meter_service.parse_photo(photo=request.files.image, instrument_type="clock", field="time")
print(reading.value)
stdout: 6:33:54
